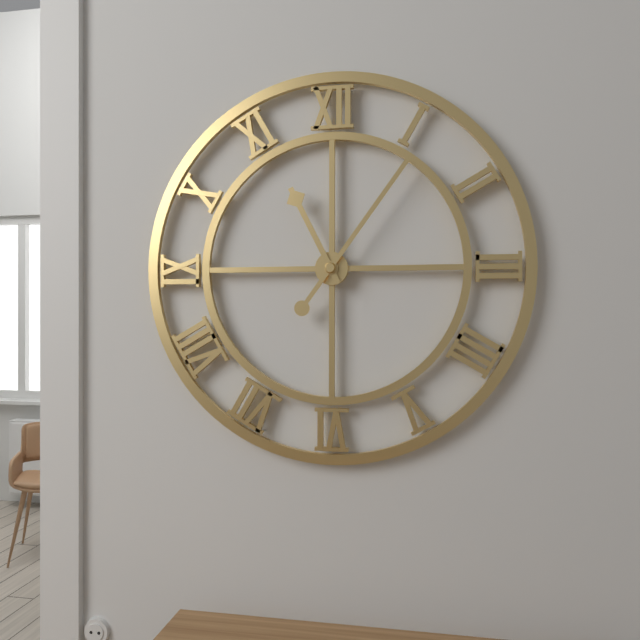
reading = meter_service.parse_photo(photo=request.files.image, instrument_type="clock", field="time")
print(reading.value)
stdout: 11:06
